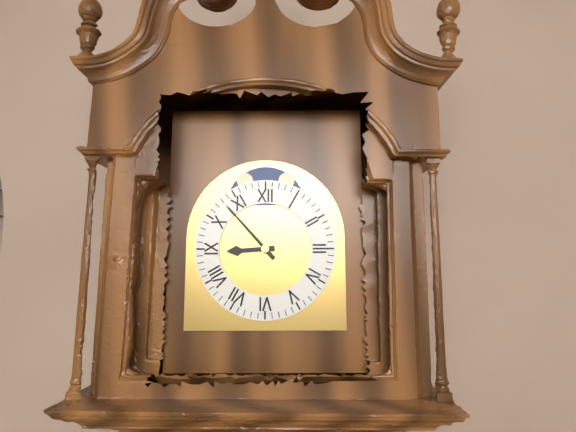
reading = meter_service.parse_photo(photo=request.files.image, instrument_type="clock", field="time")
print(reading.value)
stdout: 8:53
